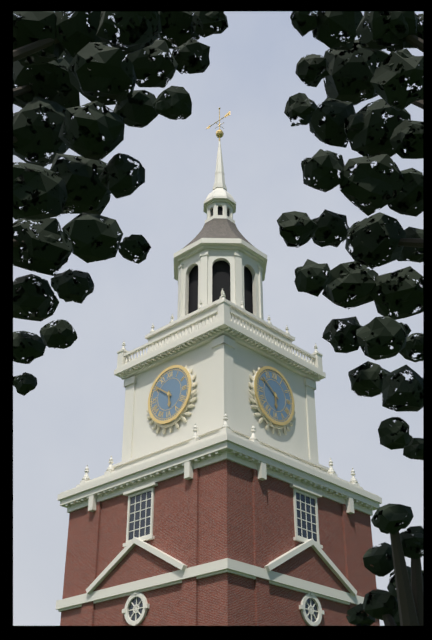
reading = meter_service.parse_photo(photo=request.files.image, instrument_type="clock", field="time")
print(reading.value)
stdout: 5:51
